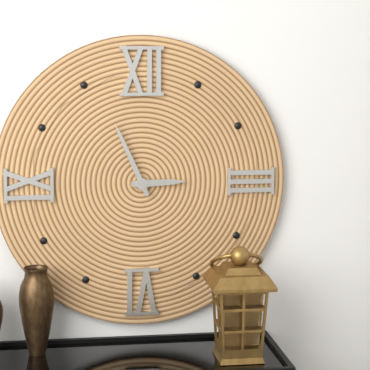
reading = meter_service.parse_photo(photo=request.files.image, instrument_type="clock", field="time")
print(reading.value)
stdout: 2:56
